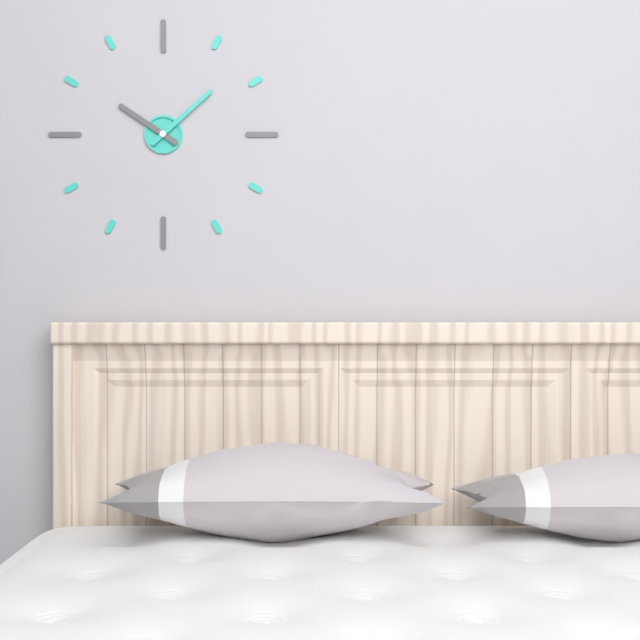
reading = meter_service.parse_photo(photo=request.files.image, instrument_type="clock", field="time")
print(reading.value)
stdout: 10:08
